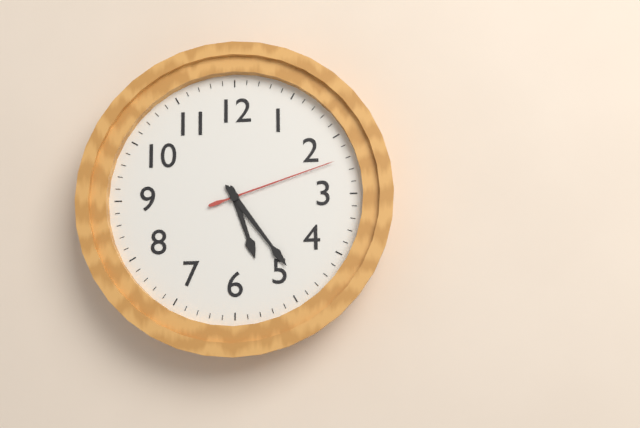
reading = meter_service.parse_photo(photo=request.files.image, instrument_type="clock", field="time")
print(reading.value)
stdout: 5:24:12
